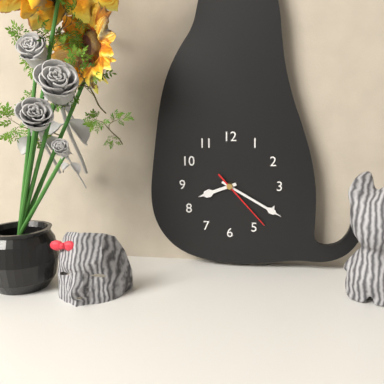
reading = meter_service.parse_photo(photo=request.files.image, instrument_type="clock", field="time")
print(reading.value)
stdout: 8:20:23
